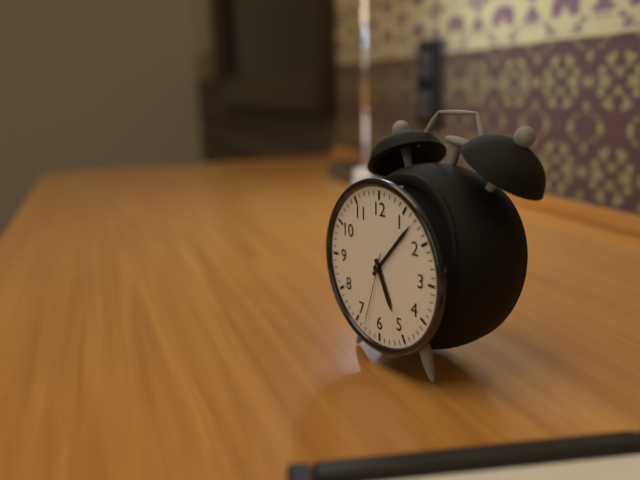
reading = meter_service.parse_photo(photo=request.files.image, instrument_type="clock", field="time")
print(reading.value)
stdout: 5:07:33
